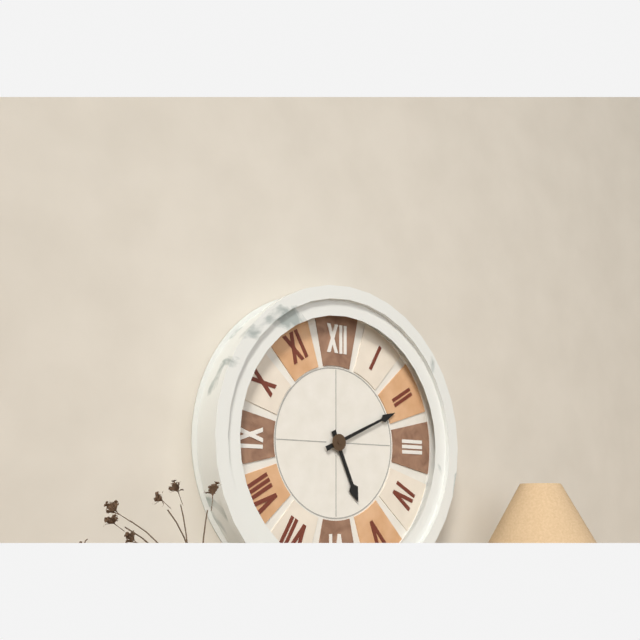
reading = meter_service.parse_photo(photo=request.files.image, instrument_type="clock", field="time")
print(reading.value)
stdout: 5:11
